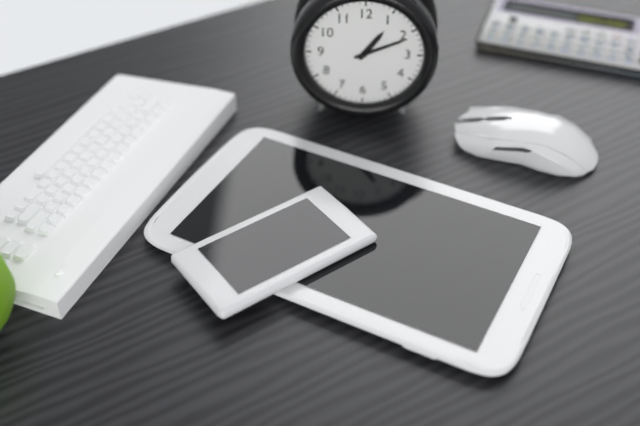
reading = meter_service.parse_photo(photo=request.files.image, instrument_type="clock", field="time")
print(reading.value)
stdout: 1:11
